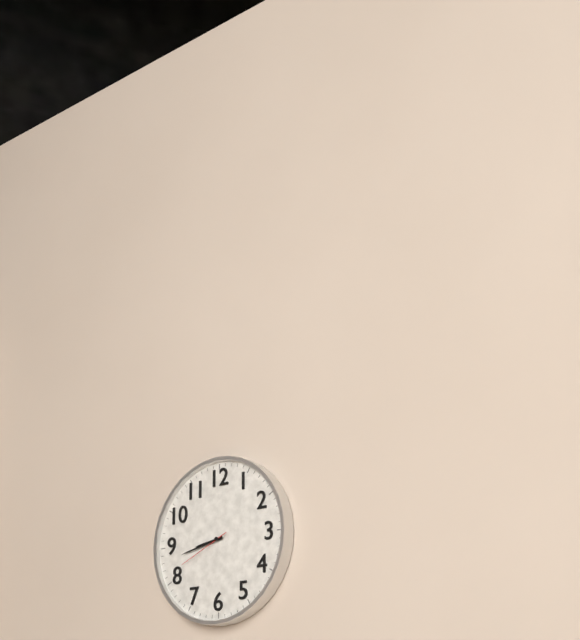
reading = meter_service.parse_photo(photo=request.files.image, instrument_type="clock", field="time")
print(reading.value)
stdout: 8:43:41
